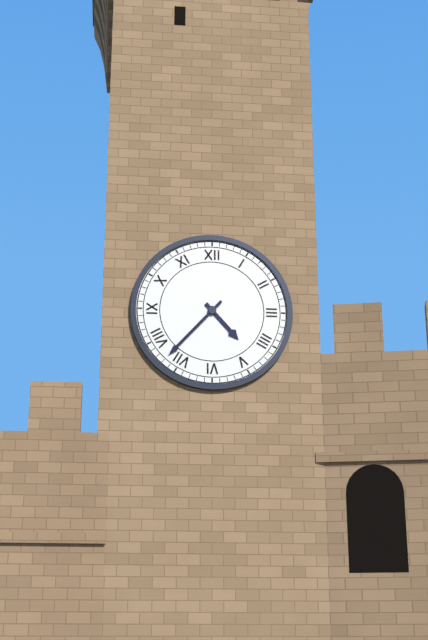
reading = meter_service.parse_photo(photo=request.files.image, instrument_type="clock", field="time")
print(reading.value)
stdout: 4:37
